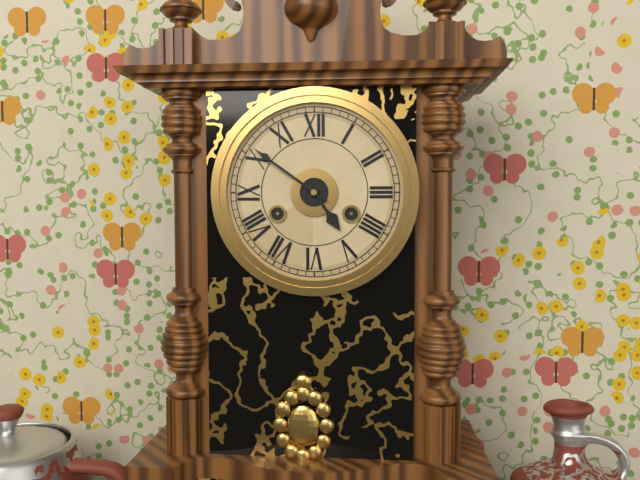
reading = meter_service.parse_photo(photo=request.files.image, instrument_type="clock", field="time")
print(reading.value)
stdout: 4:51
